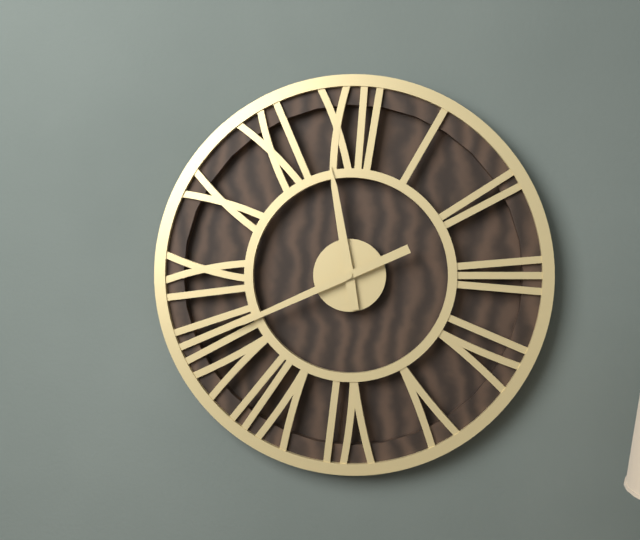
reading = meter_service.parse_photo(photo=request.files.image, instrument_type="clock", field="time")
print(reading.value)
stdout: 11:41
